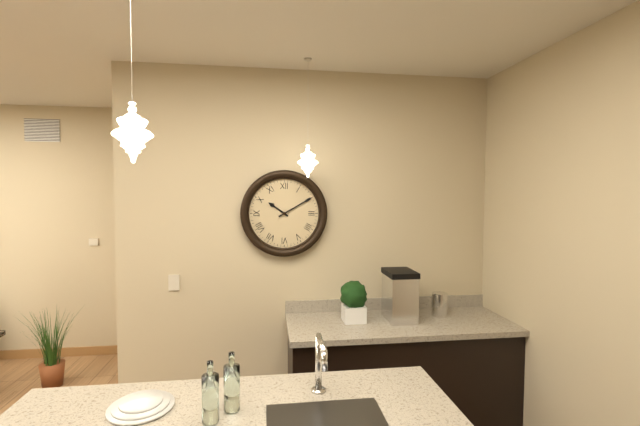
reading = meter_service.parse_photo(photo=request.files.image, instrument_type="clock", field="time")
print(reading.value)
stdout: 10:10
